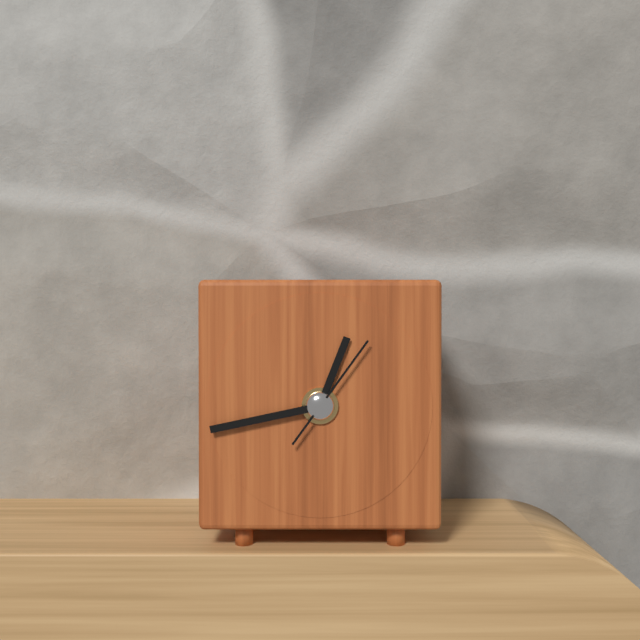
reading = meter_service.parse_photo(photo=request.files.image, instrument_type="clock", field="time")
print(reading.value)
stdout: 12:43:06
